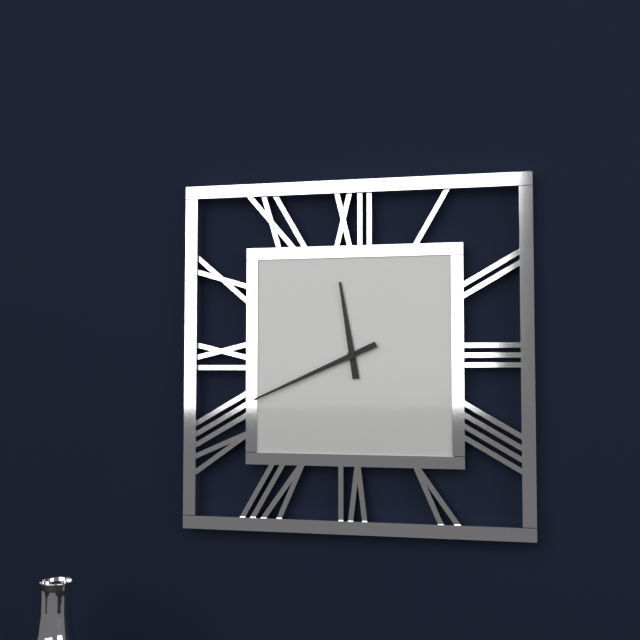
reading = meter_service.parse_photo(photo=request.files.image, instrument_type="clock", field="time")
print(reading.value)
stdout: 11:41
